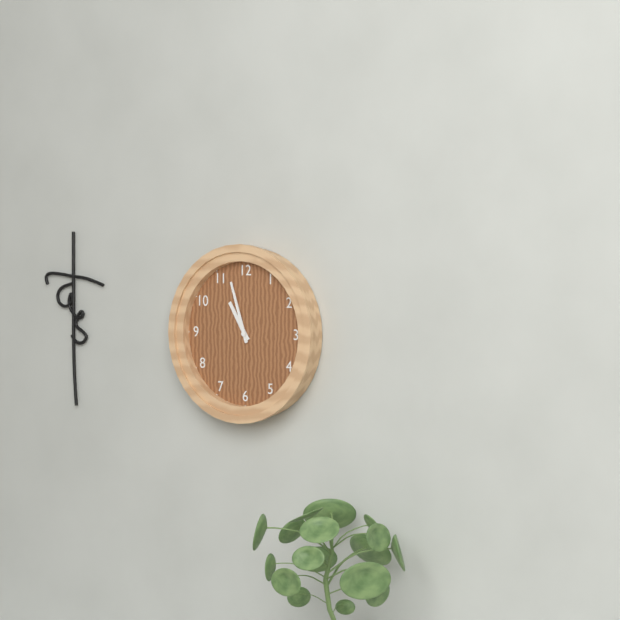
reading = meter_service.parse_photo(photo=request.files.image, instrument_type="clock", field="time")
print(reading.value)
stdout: 10:57
